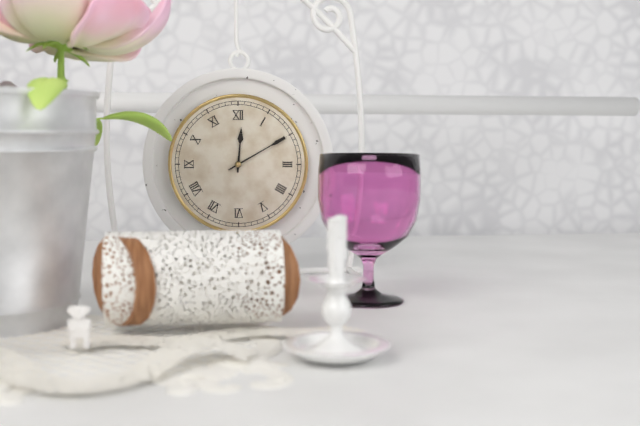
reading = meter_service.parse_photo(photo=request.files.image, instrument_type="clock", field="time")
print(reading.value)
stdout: 12:10
